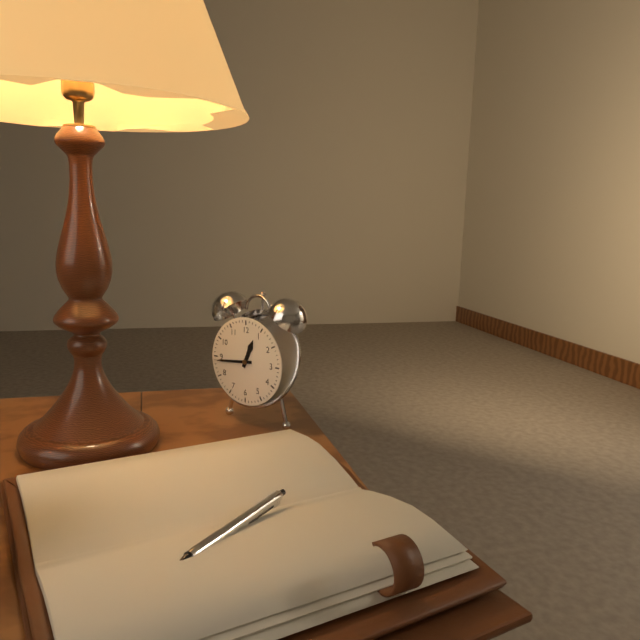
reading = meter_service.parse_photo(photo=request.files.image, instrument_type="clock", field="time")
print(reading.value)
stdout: 12:44
